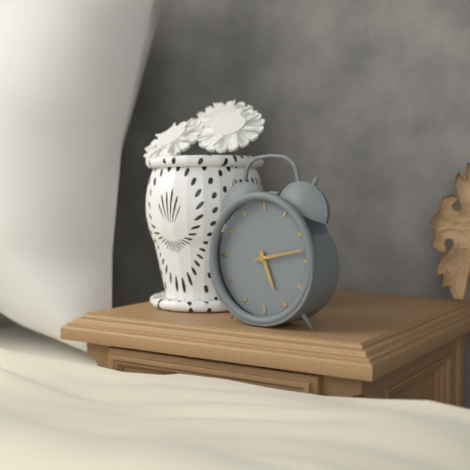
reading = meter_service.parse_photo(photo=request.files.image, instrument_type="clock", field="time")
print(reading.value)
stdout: 5:13
